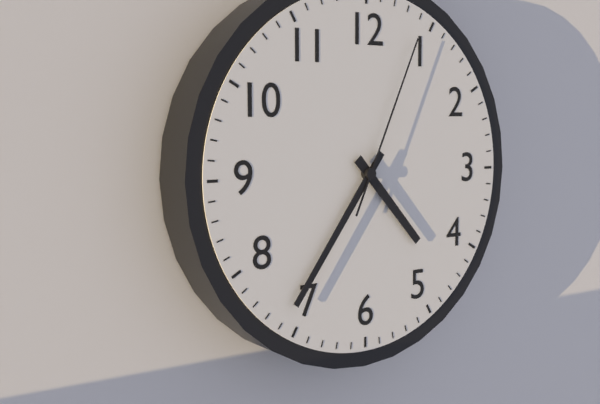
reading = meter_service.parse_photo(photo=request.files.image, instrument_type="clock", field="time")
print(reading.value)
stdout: 4:36:04
